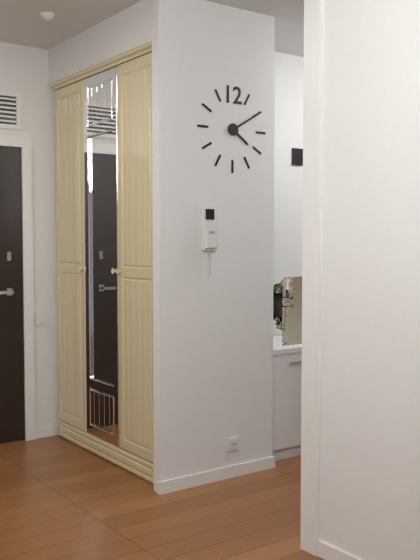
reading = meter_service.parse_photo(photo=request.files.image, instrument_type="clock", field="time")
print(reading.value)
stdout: 4:10
